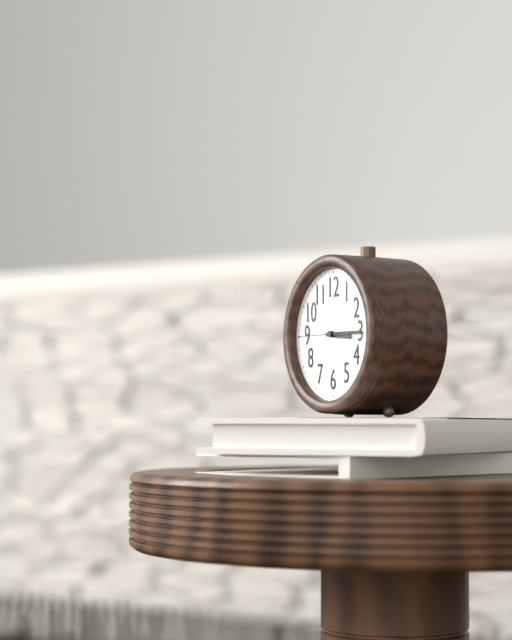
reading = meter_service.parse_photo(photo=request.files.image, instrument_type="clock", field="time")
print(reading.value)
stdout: 3:15
